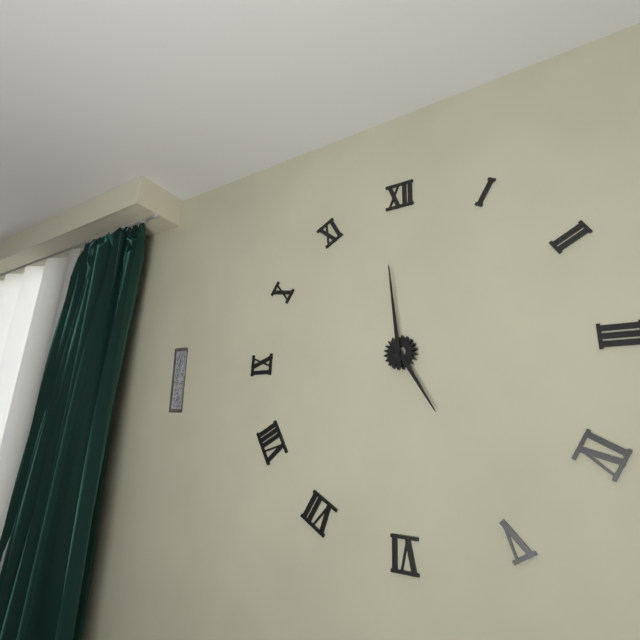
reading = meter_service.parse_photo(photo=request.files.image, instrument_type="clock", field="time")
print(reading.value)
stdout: 4:59
